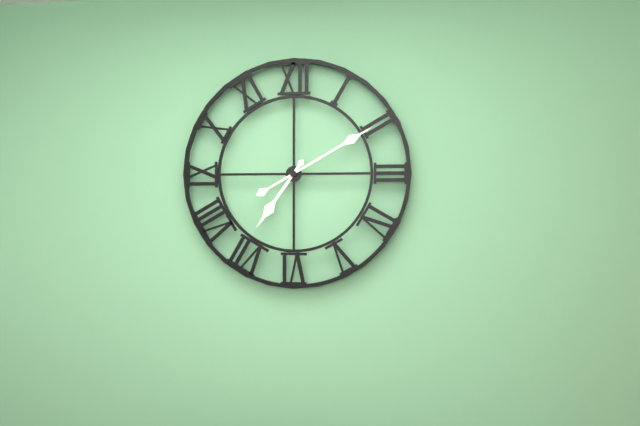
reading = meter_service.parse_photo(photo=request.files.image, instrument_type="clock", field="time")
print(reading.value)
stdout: 7:10
